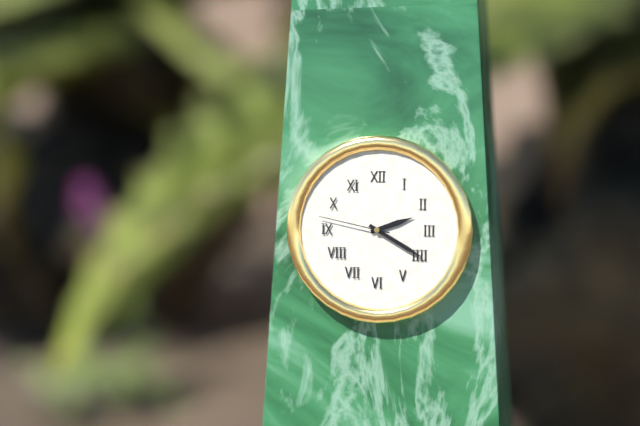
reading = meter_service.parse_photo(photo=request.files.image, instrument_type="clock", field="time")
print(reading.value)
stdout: 2:20:47
